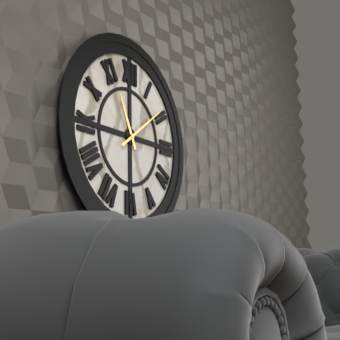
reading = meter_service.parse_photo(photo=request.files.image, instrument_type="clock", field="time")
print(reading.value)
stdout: 11:09
